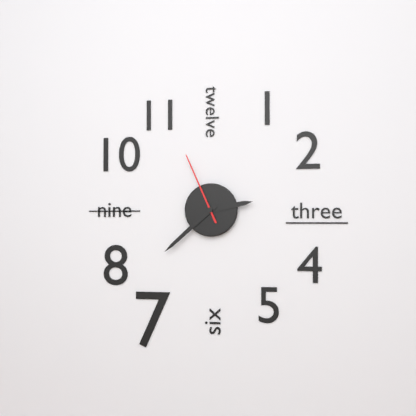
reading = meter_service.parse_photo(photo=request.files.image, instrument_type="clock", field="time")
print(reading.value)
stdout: 2:38:56
